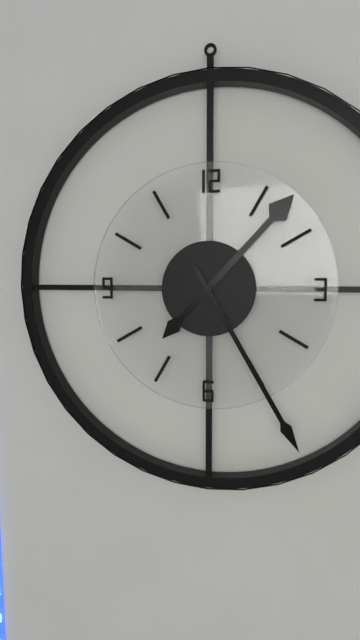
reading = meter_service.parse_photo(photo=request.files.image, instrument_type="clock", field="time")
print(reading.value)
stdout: 1:25
